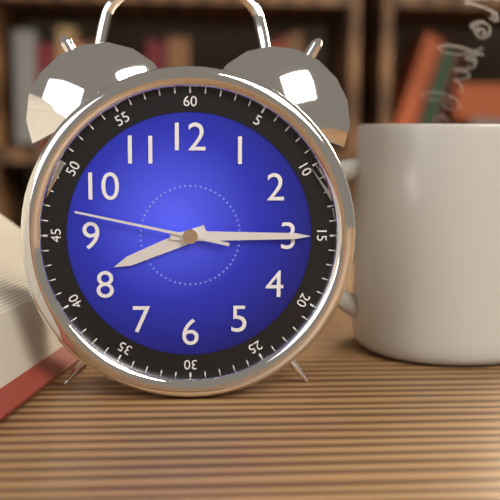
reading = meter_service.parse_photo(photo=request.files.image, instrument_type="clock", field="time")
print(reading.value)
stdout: 8:15:47
